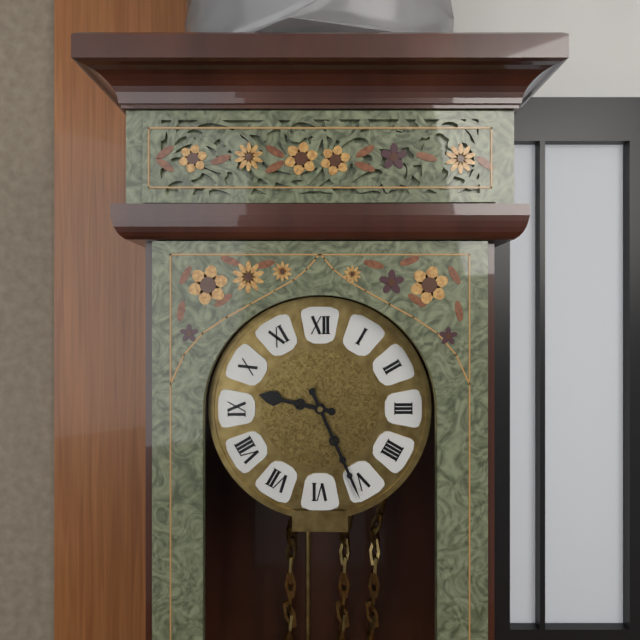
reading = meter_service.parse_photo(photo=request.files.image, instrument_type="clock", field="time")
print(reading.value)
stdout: 9:26
